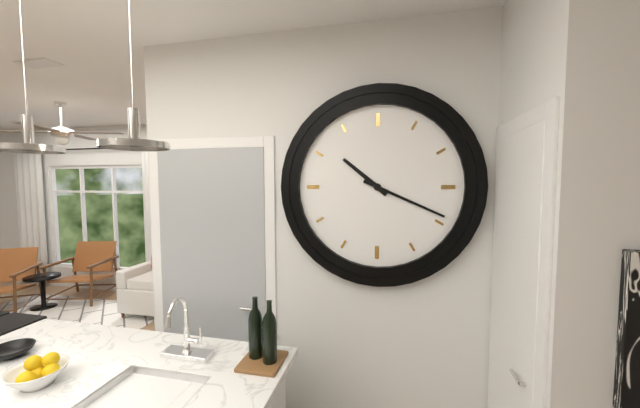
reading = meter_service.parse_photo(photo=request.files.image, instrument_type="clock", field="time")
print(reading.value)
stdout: 10:19
